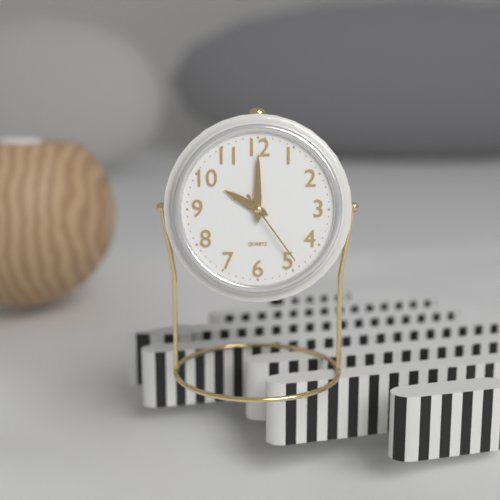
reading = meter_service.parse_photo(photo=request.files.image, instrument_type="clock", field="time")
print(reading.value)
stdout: 10:00:24
